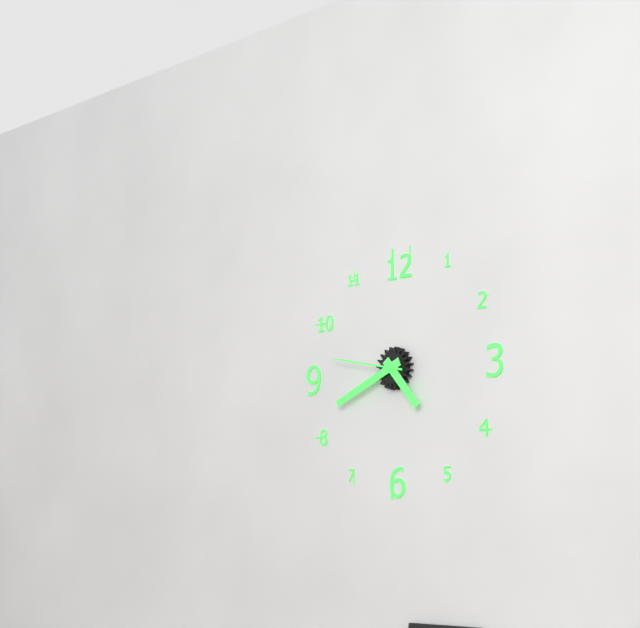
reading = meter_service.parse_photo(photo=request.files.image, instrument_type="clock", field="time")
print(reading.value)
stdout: 4:41:47
